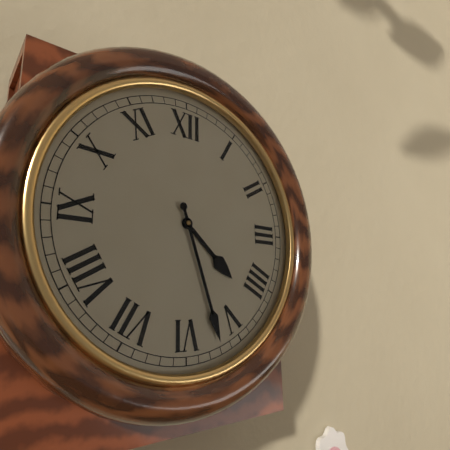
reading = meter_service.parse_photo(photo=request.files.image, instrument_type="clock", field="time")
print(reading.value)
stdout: 4:27
